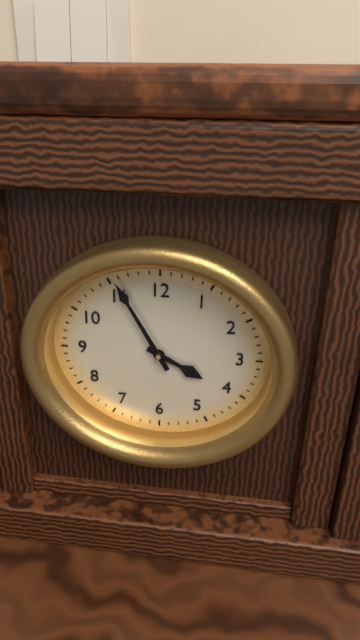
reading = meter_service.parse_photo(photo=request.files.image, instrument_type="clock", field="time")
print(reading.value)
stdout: 3:55
